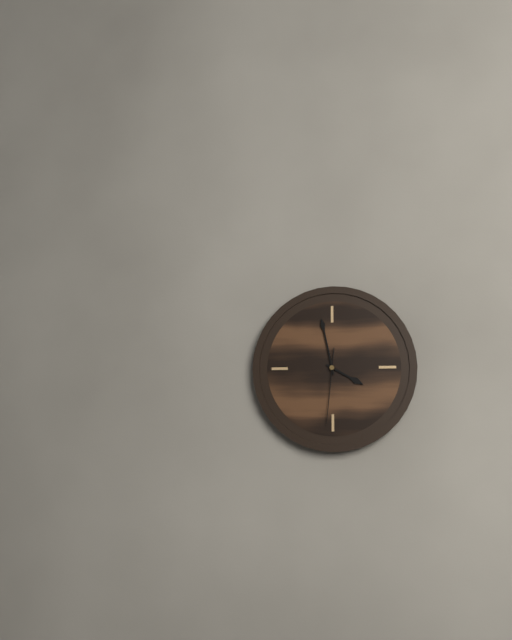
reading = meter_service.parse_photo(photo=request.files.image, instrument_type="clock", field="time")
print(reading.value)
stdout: 3:58:31
